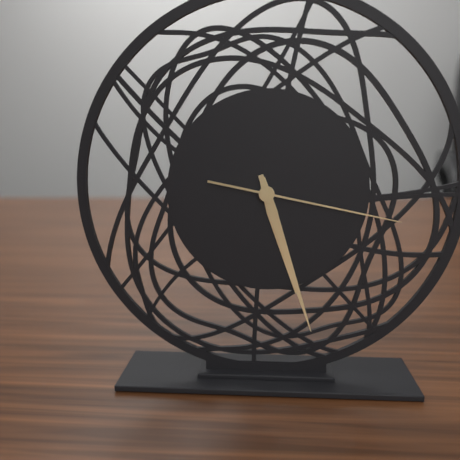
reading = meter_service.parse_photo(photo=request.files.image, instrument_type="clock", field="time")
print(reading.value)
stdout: 5:27:17
